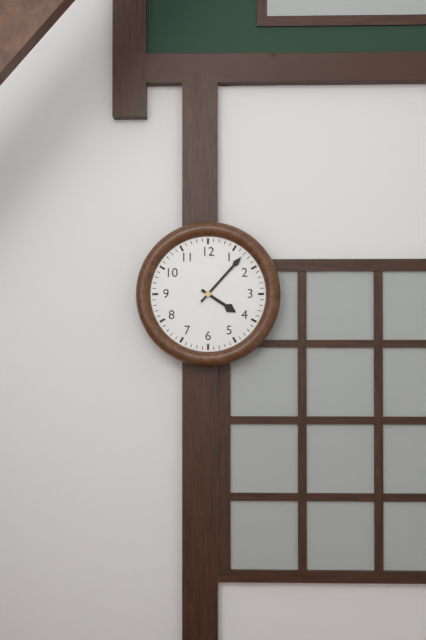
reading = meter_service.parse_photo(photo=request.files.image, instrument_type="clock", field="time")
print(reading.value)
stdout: 4:07
